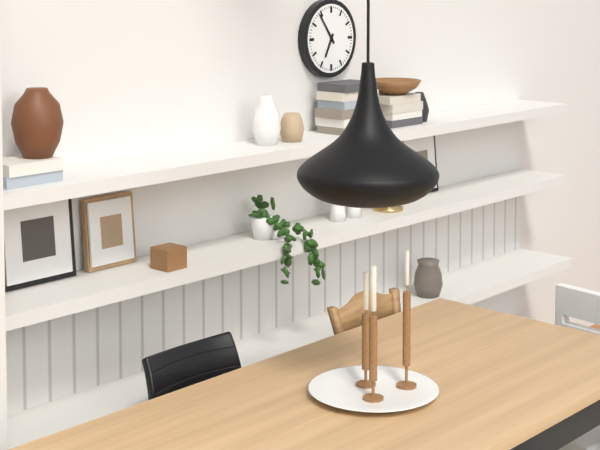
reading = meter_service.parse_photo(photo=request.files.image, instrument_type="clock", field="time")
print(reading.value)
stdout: 6:54
